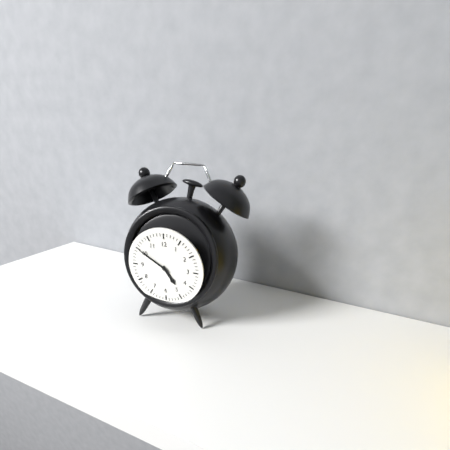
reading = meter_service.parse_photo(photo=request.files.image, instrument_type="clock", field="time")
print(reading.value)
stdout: 4:50
